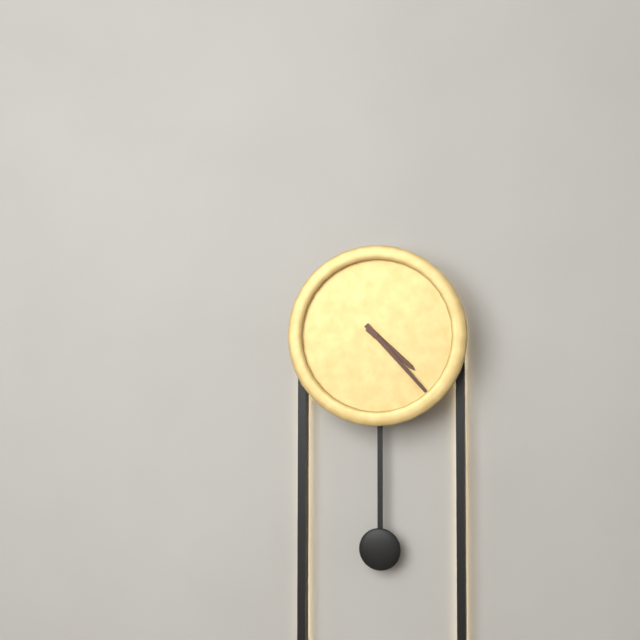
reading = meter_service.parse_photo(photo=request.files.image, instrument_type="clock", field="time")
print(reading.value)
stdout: 4:23
